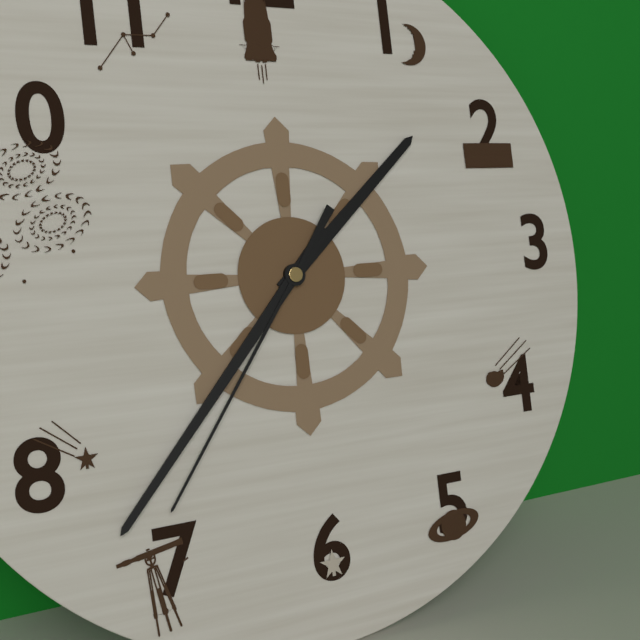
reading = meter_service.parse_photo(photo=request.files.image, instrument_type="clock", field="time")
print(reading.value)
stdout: 1:37:36
